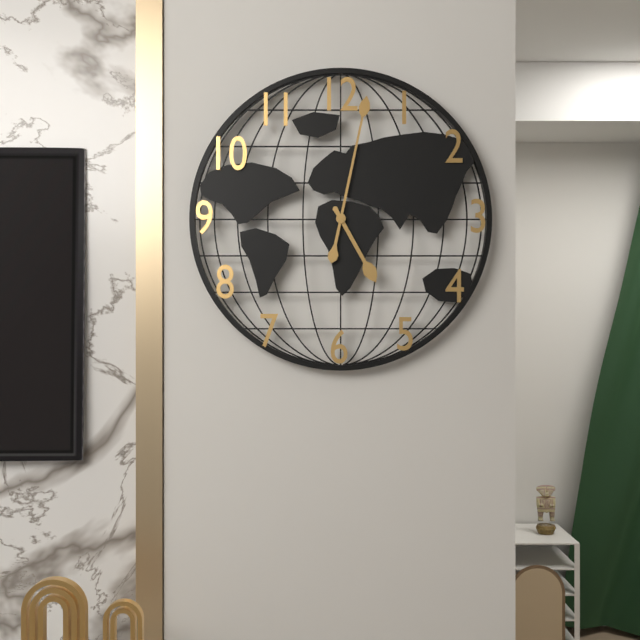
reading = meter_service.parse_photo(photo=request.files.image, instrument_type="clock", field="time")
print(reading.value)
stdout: 5:02
